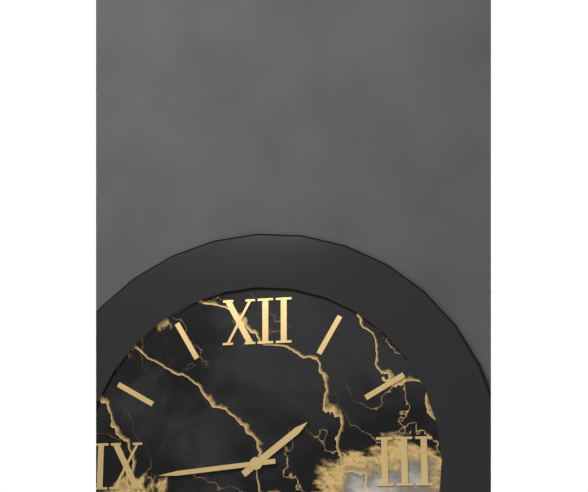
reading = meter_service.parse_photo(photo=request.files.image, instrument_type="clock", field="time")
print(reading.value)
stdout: 1:44
